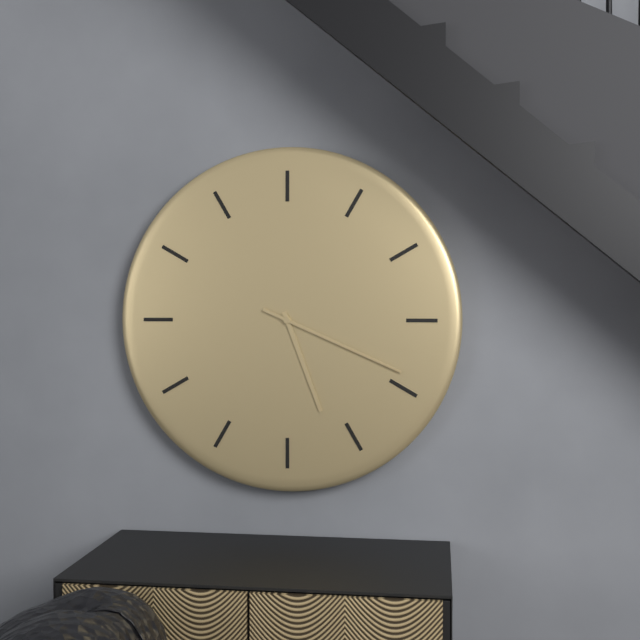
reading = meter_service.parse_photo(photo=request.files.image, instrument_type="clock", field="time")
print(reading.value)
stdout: 5:19
